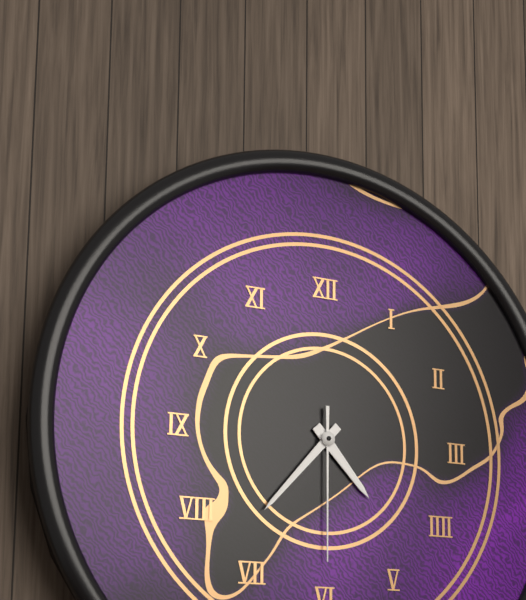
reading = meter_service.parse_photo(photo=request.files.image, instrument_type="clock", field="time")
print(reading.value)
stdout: 4:37:30
